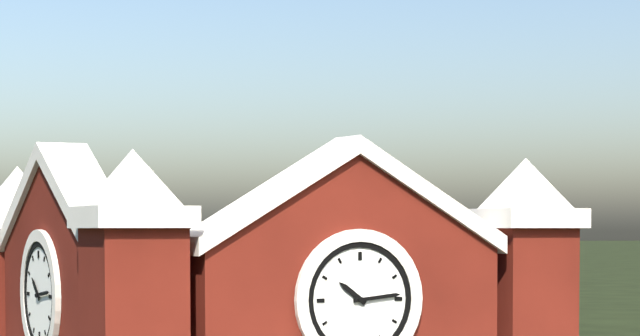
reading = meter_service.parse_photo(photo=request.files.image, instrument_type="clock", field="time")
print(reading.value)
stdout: 10:14
